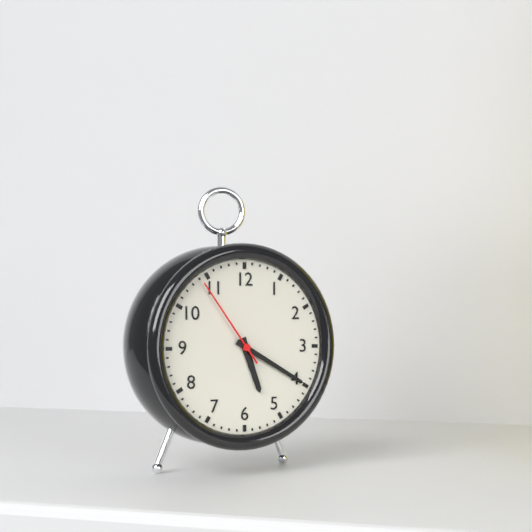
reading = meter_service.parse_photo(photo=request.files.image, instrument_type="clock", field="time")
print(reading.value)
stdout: 5:20:54
